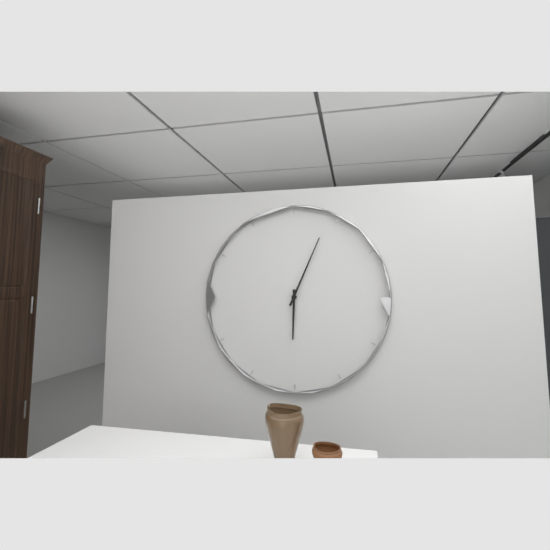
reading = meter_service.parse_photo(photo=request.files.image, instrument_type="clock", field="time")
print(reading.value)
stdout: 6:04
